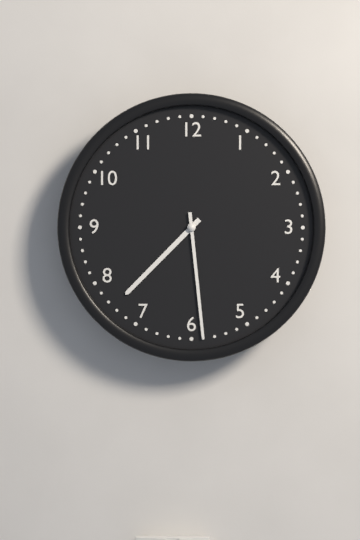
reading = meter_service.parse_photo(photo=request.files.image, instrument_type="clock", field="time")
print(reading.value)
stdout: 7:29
